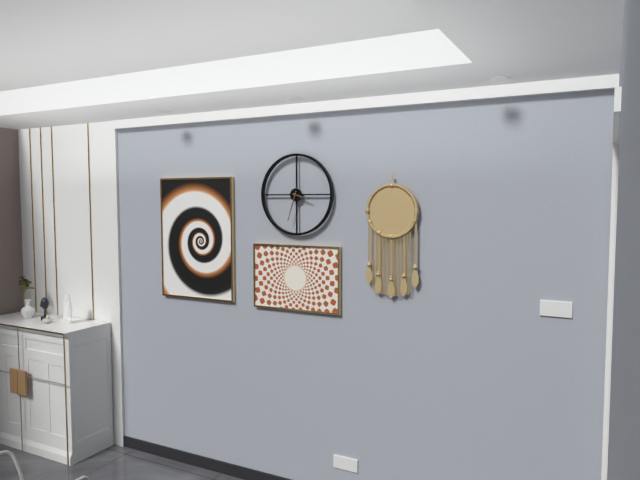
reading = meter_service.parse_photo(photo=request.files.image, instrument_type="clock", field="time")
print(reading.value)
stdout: 3:33
